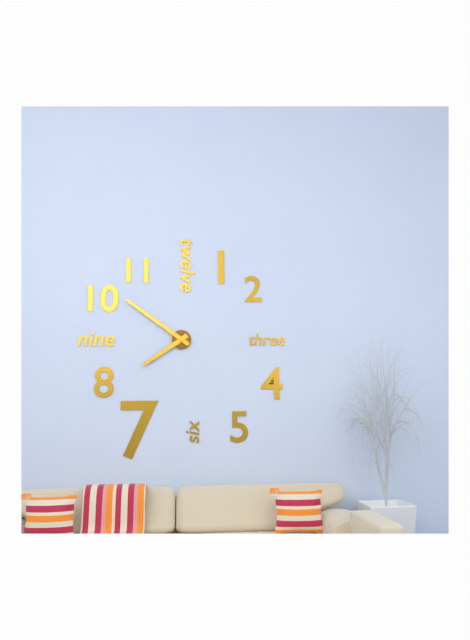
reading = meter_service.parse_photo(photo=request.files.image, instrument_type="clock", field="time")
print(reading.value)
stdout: 7:51
